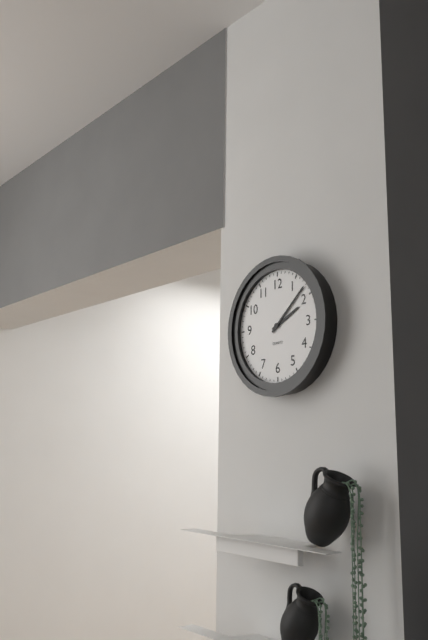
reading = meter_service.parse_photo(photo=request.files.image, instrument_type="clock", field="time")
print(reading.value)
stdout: 2:08
